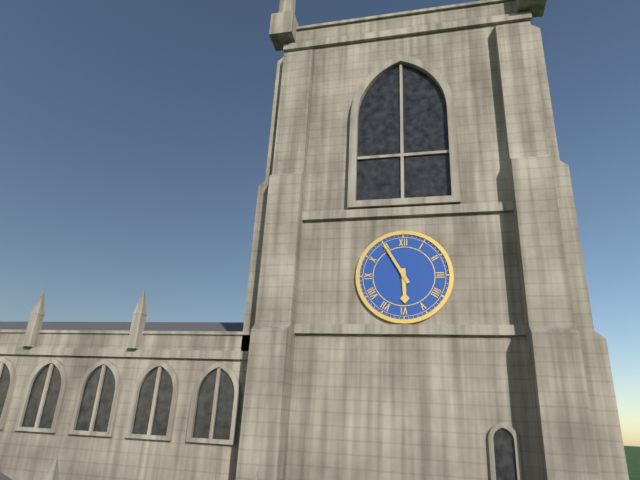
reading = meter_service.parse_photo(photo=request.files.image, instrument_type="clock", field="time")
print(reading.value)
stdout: 5:55
